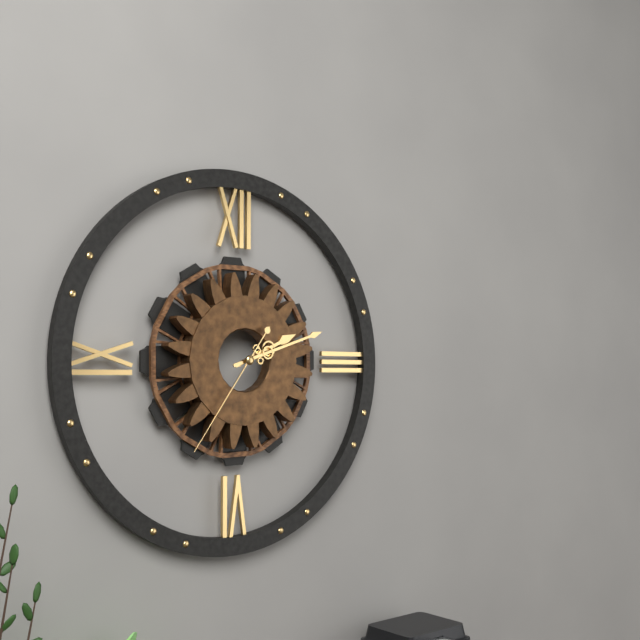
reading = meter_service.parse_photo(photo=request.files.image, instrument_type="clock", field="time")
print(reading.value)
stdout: 2:12:36
